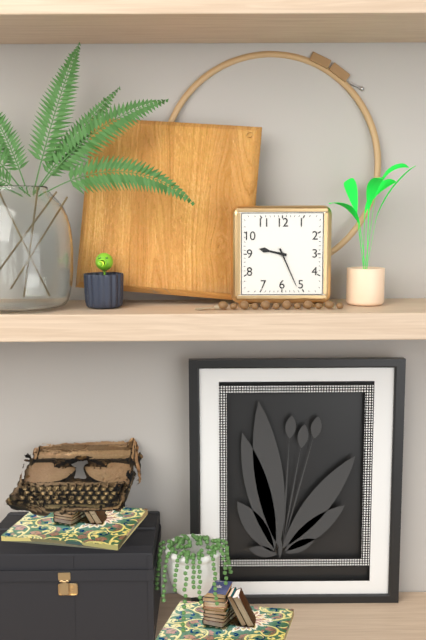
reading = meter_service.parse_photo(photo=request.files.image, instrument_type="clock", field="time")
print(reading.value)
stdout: 9:26
